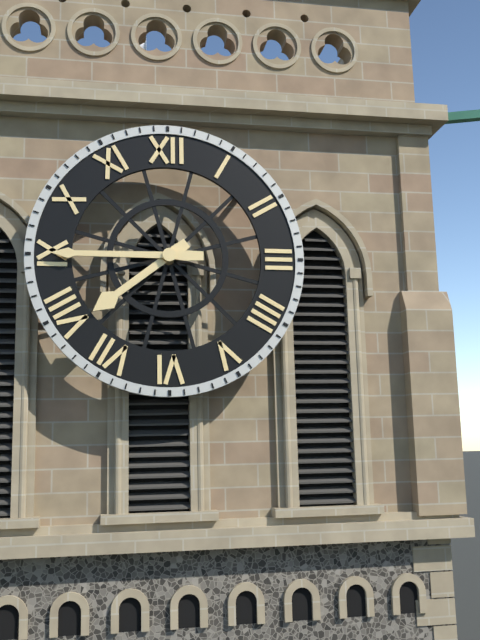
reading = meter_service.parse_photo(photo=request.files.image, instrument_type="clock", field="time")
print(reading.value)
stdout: 7:45
